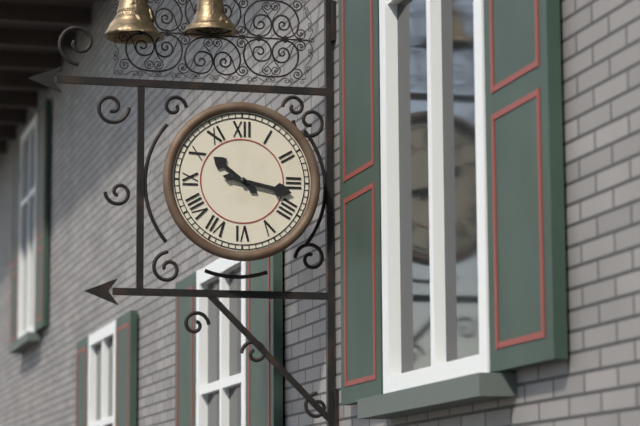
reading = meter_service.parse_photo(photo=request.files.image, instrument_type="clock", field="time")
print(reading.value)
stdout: 10:17
